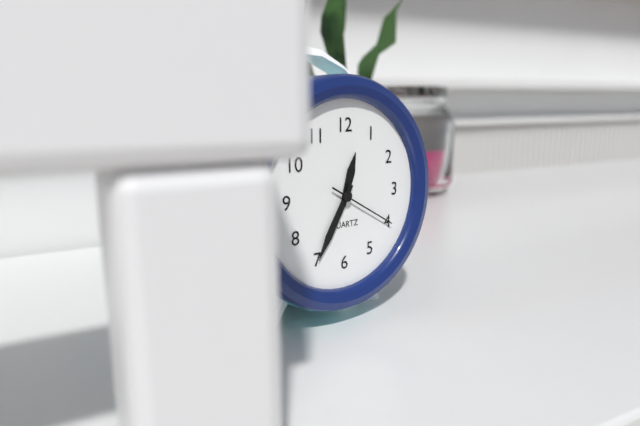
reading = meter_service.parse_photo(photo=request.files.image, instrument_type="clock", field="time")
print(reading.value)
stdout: 12:35:20
